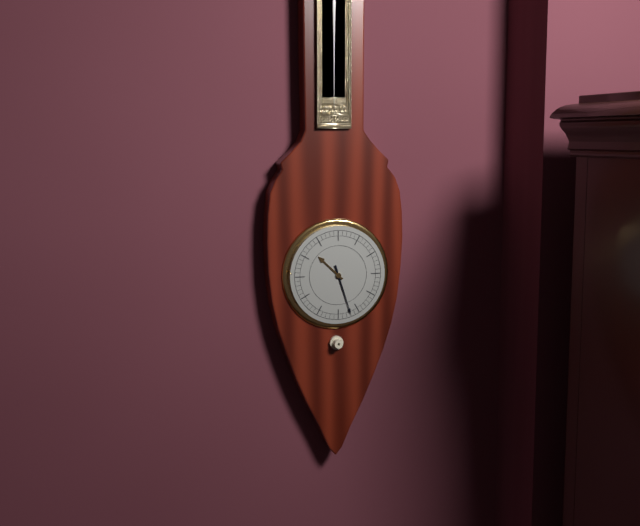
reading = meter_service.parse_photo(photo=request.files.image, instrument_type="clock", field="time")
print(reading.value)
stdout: 10:27
